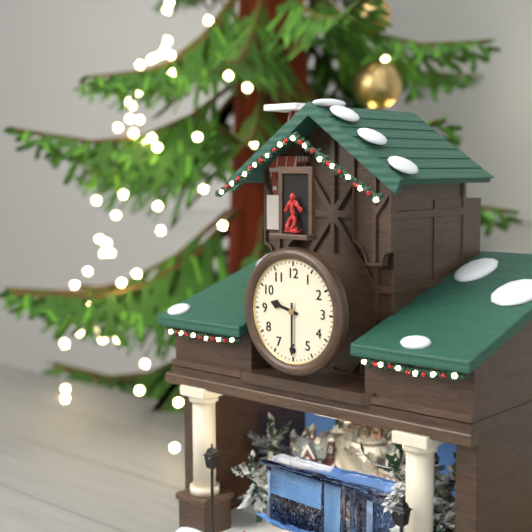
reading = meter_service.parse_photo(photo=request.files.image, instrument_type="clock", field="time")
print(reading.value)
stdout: 9:30
